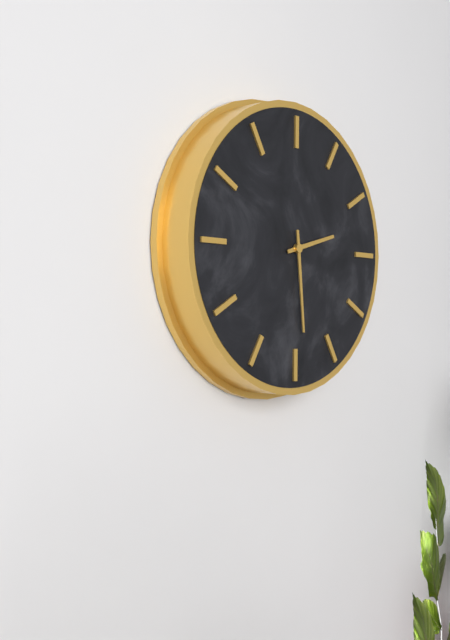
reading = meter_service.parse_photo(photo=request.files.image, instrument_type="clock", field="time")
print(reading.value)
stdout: 2:29
